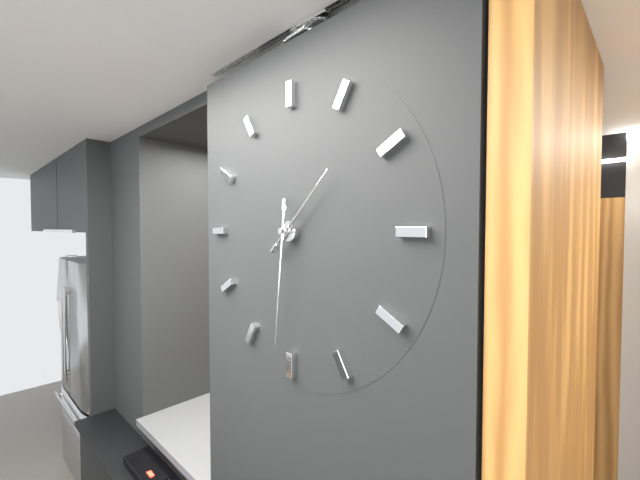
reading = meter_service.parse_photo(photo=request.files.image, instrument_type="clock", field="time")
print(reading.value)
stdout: 1:31
